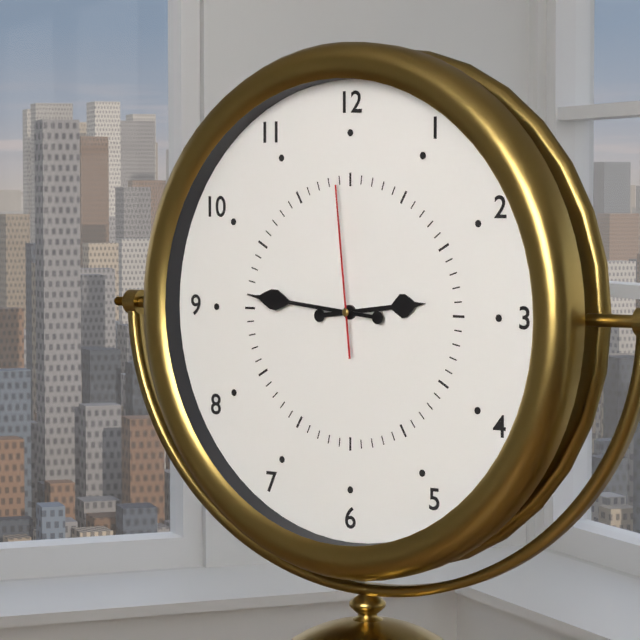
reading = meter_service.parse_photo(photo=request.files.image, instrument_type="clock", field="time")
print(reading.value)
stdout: 2:46:59
